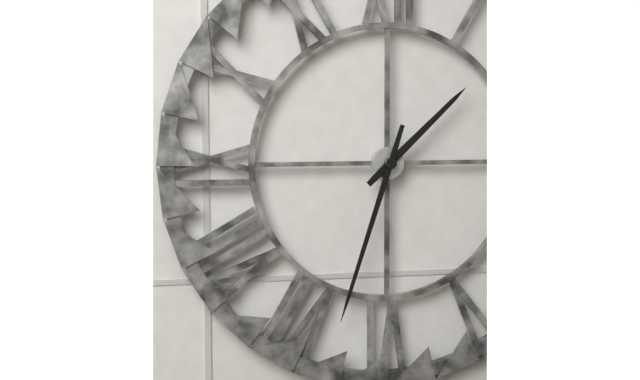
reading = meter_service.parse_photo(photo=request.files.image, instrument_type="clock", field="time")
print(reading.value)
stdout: 1:33
